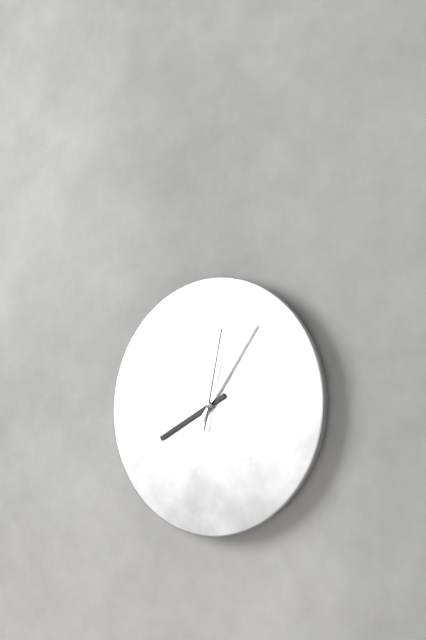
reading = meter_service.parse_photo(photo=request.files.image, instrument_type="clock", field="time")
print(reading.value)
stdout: 8:06:02
